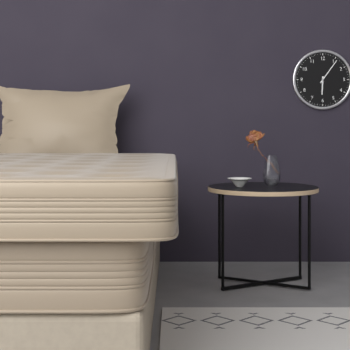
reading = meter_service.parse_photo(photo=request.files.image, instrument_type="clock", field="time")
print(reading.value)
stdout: 6:06
